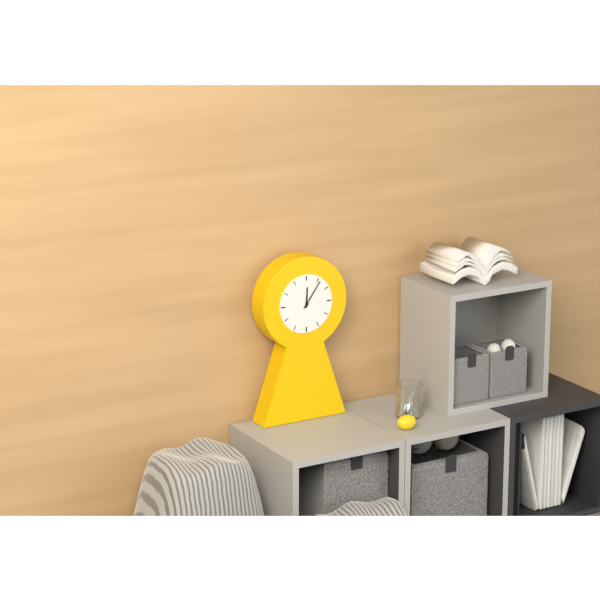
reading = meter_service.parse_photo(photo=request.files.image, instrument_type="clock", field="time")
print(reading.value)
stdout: 12:06
